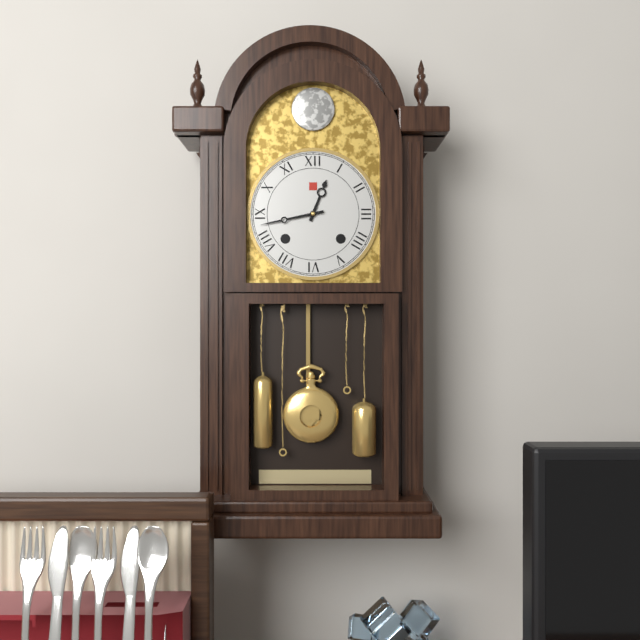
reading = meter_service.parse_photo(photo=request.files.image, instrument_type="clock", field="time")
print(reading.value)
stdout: 12:43
